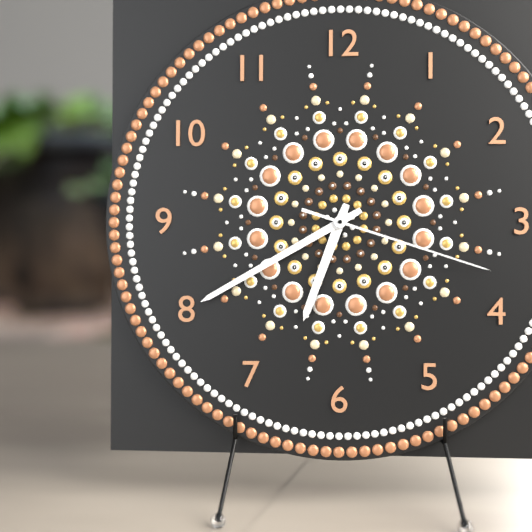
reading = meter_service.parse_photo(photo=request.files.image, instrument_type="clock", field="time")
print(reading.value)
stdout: 6:40:18
